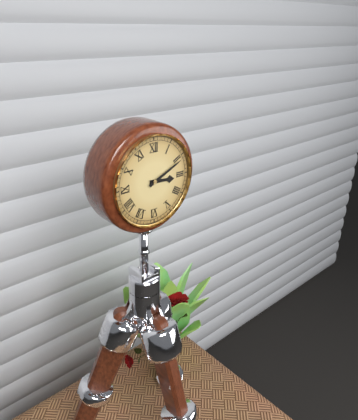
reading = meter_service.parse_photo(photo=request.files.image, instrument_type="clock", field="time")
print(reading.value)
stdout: 3:11
